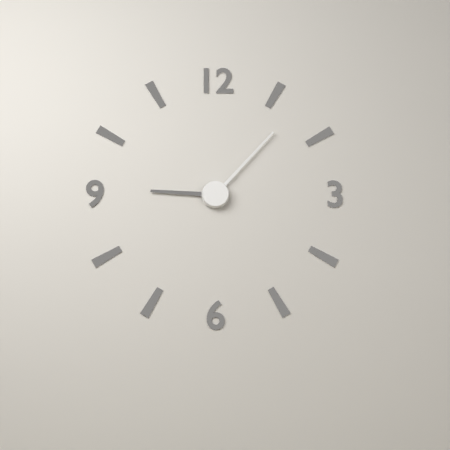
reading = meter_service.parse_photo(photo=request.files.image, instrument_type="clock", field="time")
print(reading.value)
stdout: 9:07
